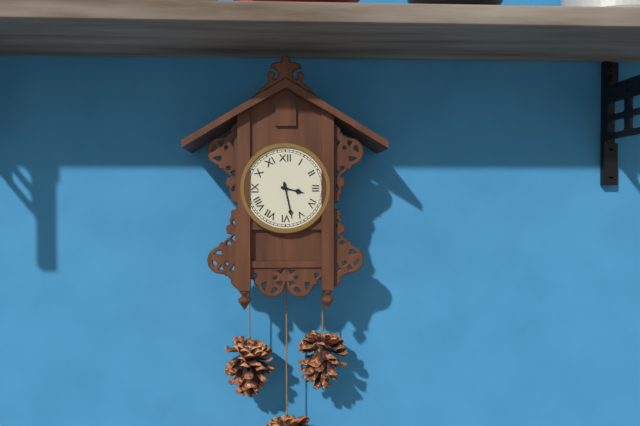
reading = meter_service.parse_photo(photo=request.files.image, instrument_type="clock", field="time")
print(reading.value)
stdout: 3:28
